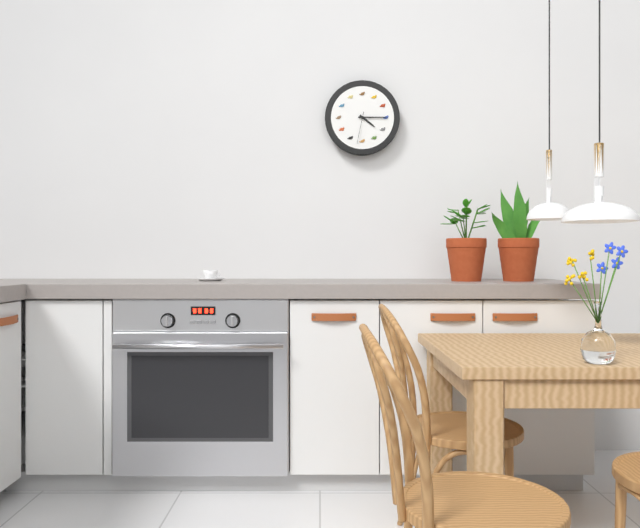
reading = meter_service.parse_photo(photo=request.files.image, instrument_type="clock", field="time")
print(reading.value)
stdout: 4:15
